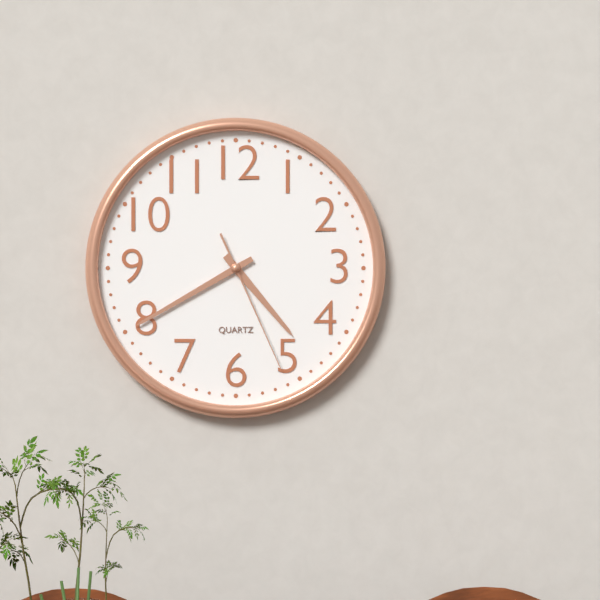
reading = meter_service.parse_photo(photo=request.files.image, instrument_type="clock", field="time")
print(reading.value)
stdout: 4:40:26
